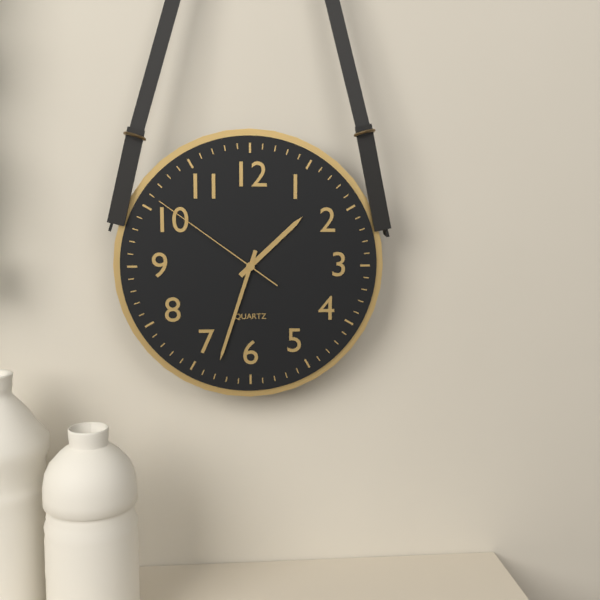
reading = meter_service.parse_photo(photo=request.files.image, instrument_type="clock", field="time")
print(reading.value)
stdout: 1:33:51
